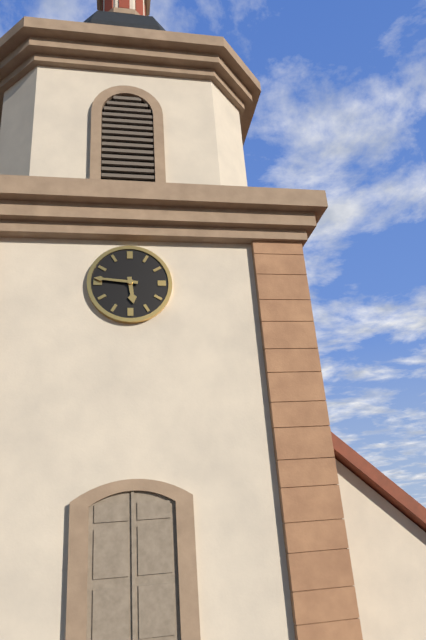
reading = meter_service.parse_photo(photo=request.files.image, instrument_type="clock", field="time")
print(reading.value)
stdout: 5:46
